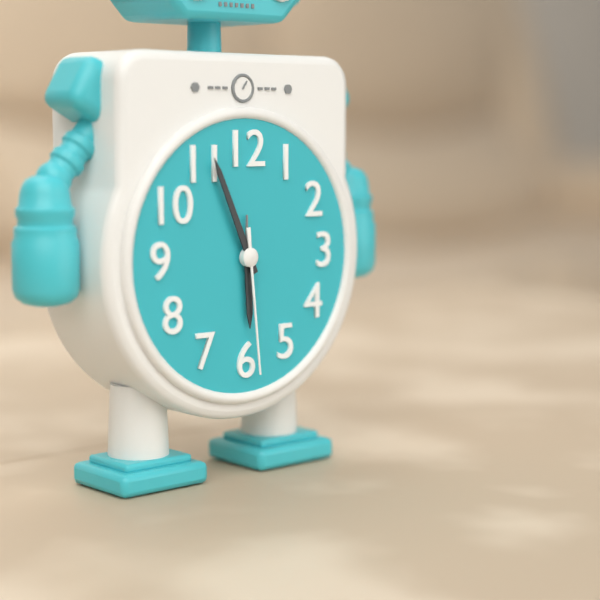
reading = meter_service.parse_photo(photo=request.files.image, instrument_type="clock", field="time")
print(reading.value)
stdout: 5:56:29
